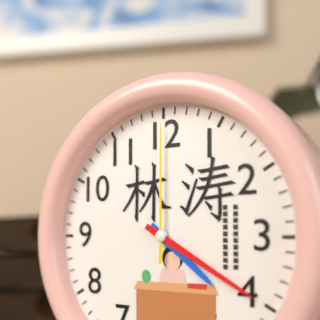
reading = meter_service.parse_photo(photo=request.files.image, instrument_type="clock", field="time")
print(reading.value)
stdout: 4:20:00
